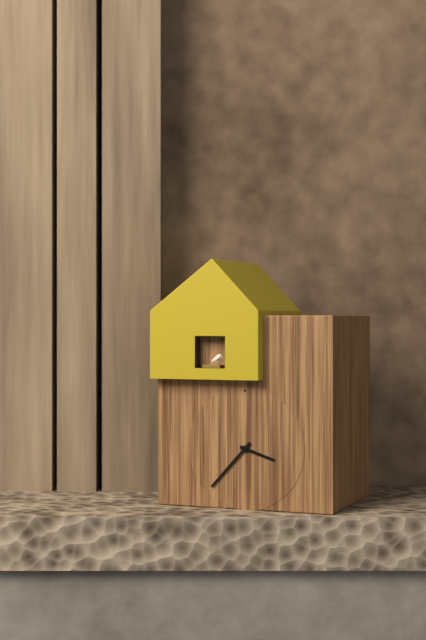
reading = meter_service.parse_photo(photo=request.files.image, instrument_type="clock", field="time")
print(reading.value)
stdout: 3:37
